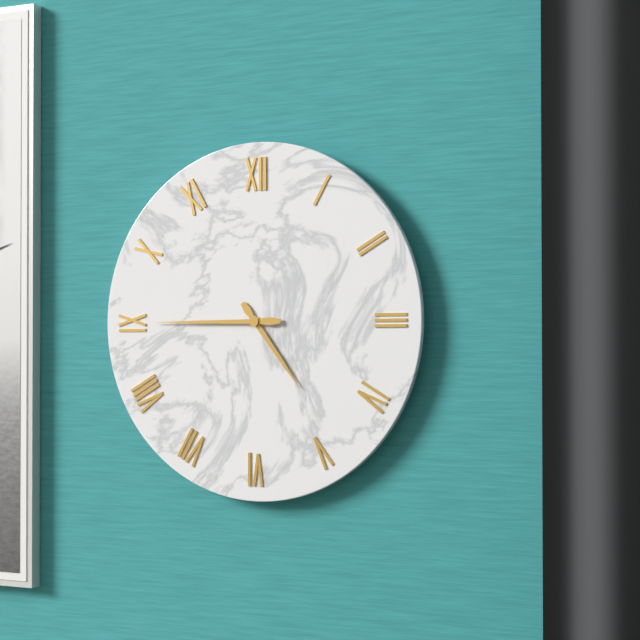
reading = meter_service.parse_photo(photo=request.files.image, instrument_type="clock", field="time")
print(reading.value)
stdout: 4:45
